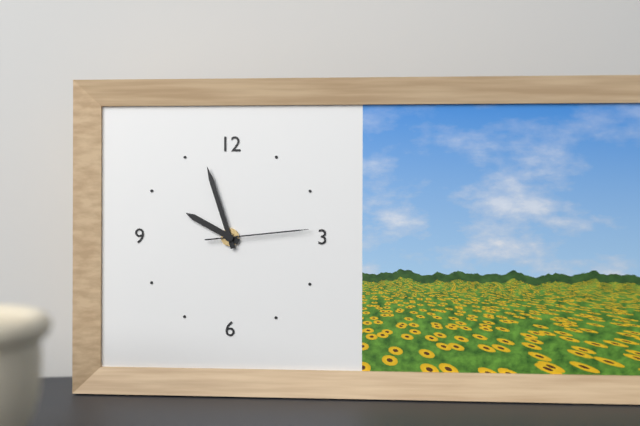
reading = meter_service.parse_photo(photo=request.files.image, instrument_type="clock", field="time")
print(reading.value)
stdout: 9:57:14
